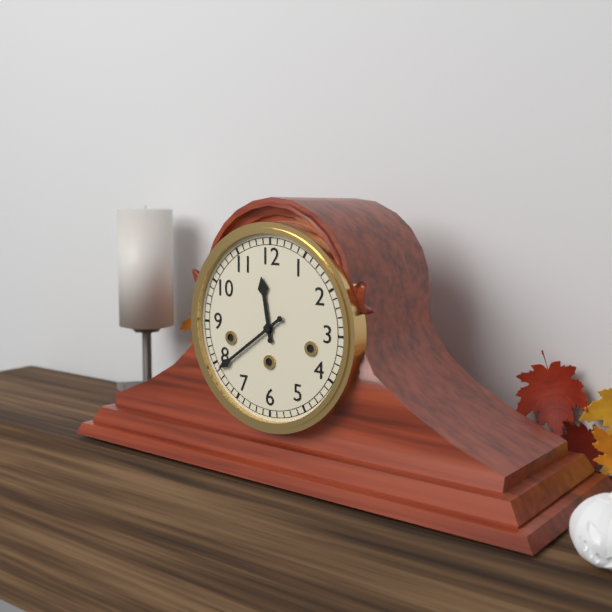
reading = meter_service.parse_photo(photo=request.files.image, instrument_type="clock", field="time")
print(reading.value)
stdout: 11:39
